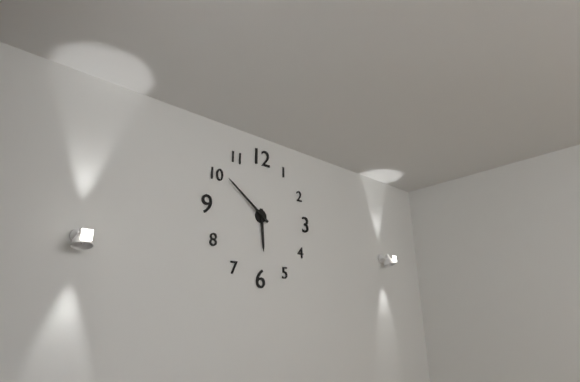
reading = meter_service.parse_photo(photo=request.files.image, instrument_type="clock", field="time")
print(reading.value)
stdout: 5:51
